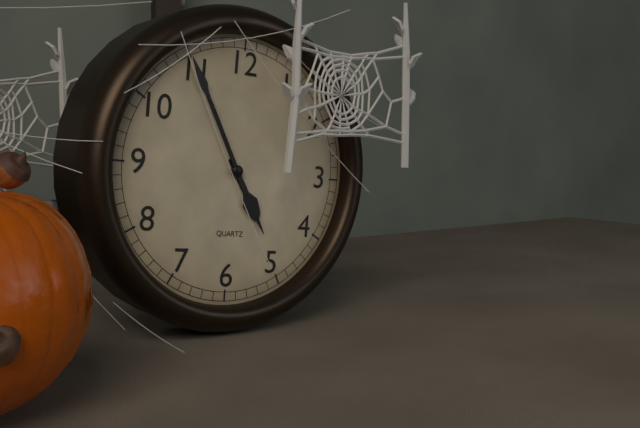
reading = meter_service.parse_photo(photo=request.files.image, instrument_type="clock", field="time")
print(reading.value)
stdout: 4:55
